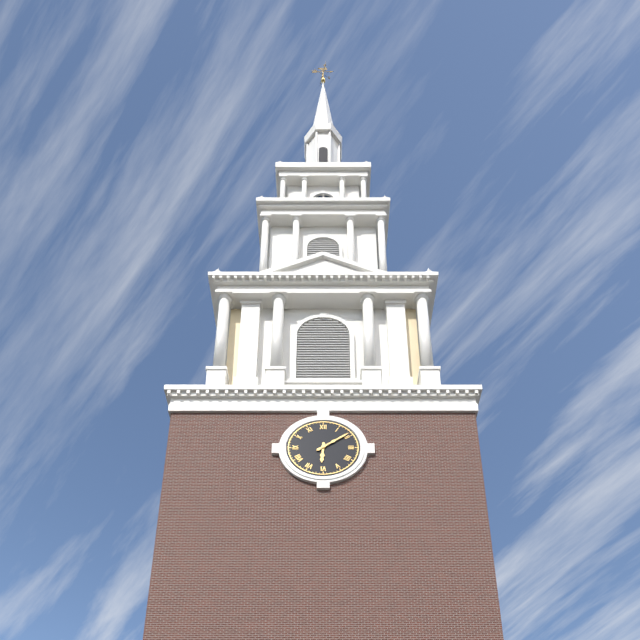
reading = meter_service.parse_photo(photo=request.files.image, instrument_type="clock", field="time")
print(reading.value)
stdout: 6:09
